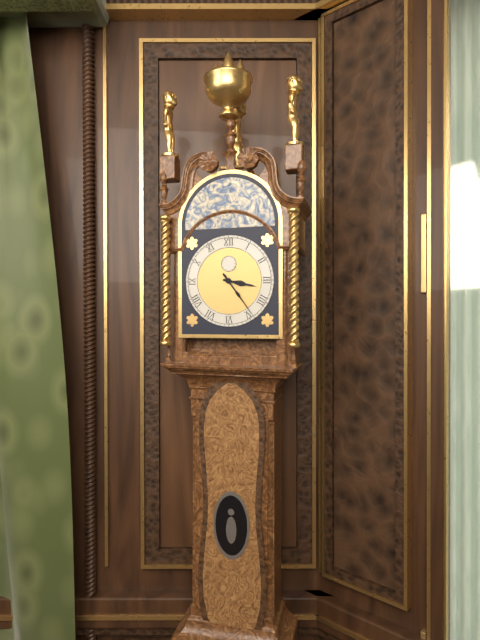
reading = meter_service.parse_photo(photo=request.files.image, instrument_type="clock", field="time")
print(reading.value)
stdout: 3:24
